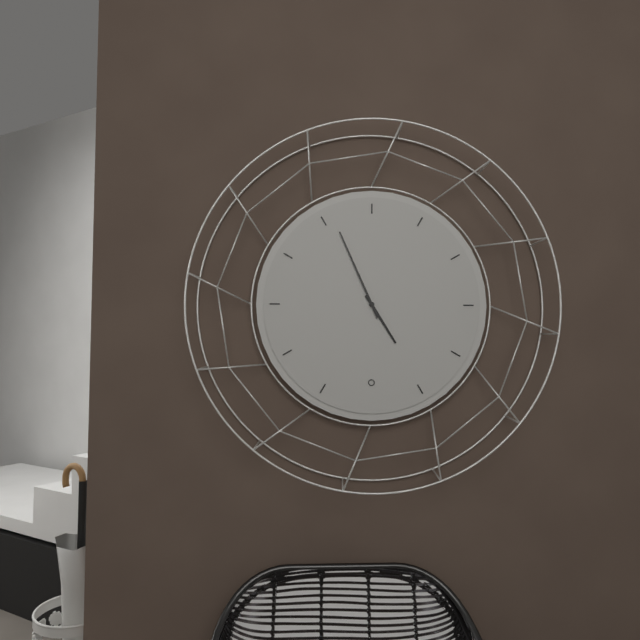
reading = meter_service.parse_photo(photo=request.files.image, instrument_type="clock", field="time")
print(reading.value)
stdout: 4:56
